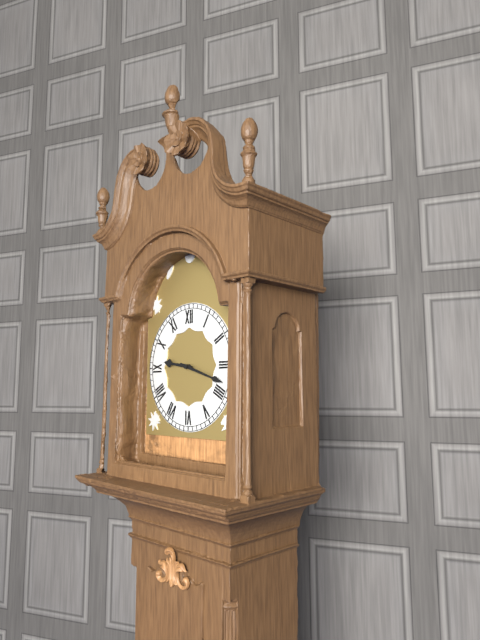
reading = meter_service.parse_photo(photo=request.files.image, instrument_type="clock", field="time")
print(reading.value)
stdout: 9:18
